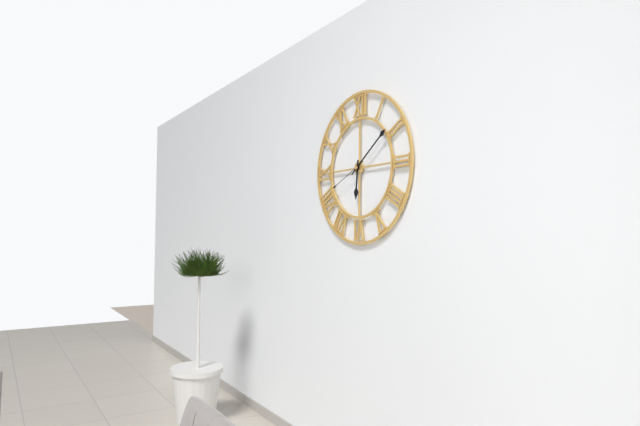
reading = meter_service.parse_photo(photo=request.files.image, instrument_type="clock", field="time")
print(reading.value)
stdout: 6:09
